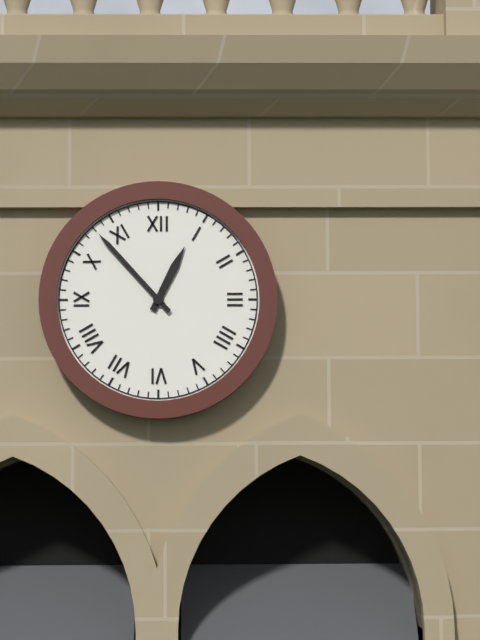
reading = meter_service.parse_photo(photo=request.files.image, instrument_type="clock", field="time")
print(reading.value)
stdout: 12:53
